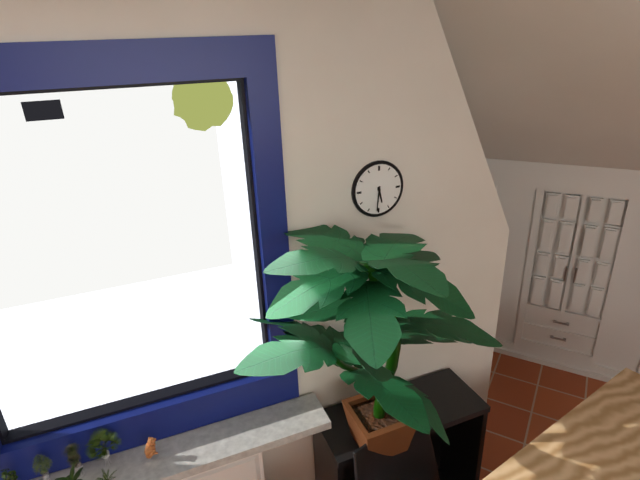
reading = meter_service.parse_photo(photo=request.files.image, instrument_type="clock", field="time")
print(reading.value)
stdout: 5:31
